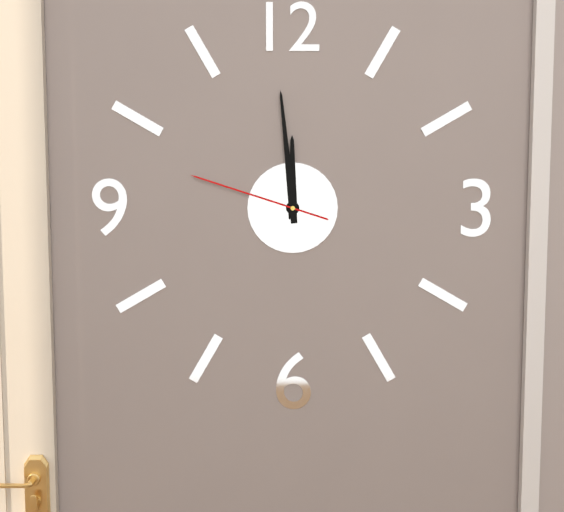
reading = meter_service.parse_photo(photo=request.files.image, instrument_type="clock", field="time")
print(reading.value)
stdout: 11:59:48
